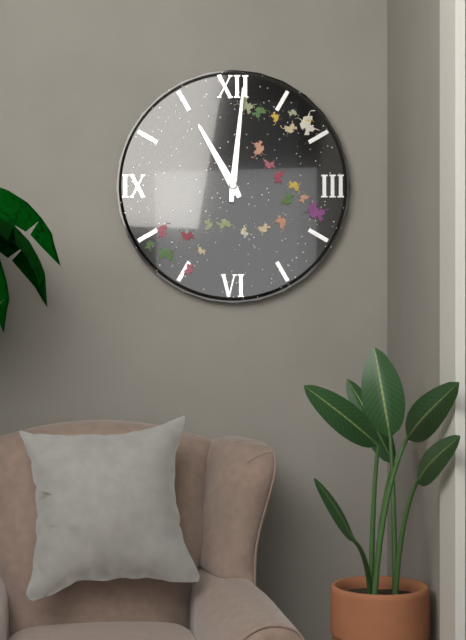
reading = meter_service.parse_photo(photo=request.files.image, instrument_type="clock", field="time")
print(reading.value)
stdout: 11:01
